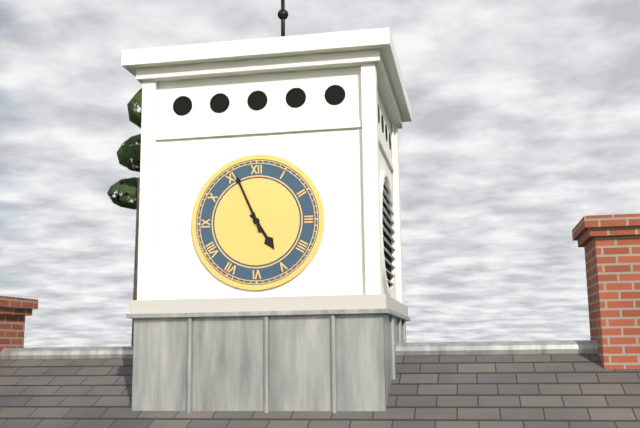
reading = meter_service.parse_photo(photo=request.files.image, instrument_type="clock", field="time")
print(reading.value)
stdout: 4:56
